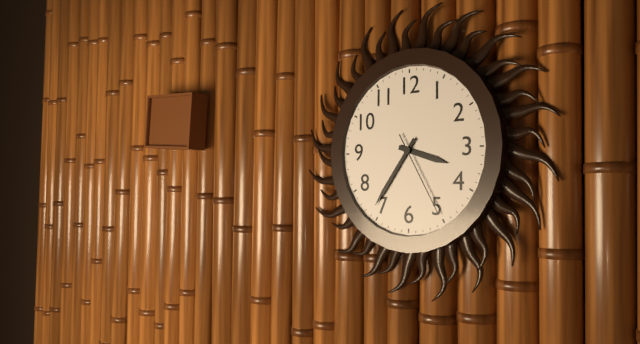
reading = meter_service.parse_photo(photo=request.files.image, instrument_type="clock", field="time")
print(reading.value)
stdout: 3:36:25
